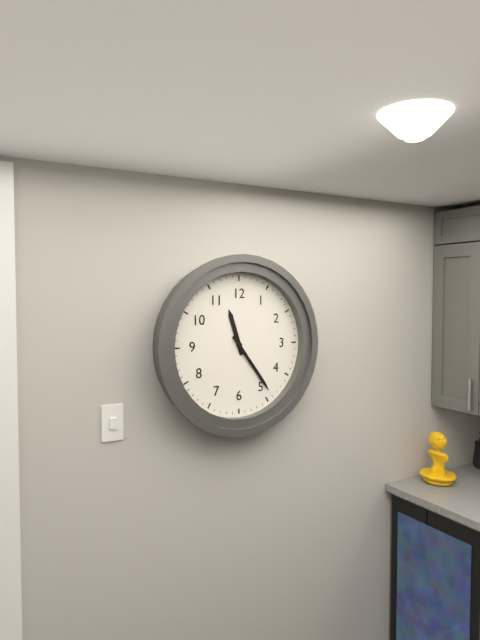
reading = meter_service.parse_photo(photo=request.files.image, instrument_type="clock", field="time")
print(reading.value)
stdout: 11:24
